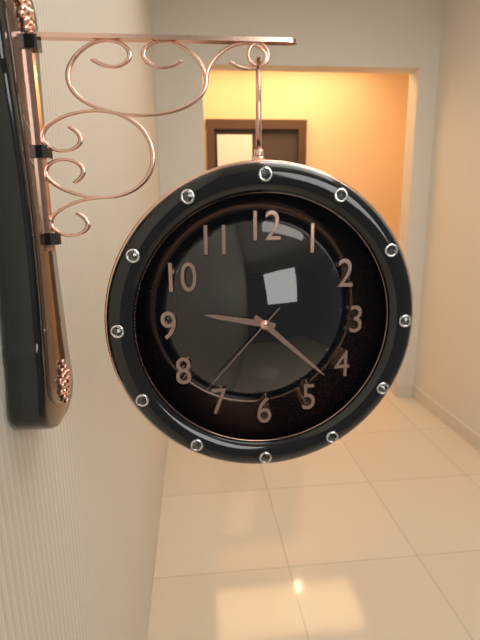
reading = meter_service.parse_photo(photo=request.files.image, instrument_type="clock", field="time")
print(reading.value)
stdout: 9:22:37
